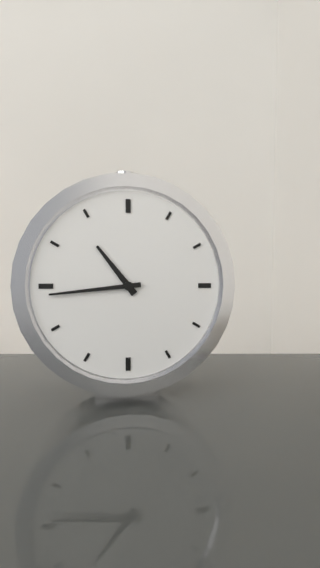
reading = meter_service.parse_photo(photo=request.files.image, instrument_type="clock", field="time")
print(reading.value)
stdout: 10:44
